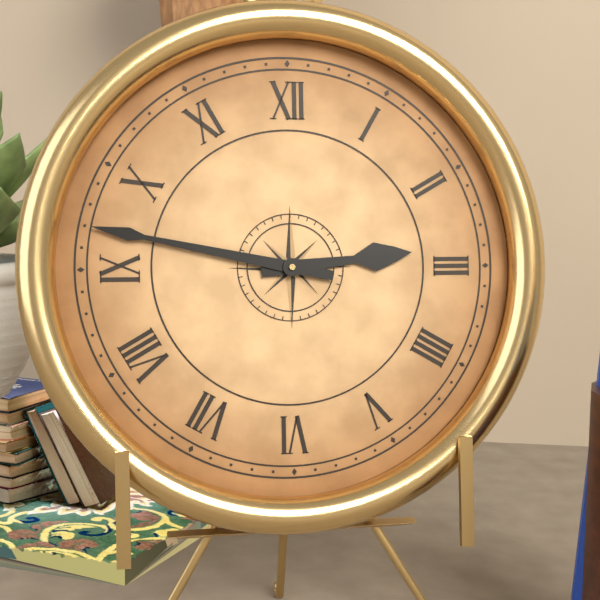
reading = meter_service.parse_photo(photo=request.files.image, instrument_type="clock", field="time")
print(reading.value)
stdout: 2:47
